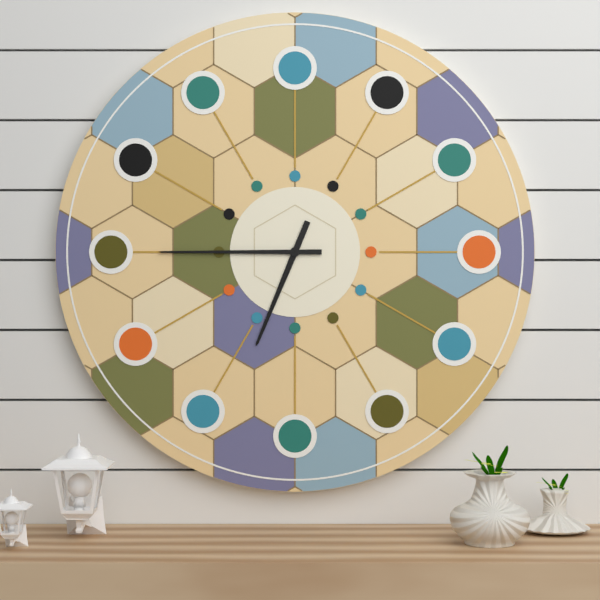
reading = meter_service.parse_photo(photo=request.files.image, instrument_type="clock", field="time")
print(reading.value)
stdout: 6:45
